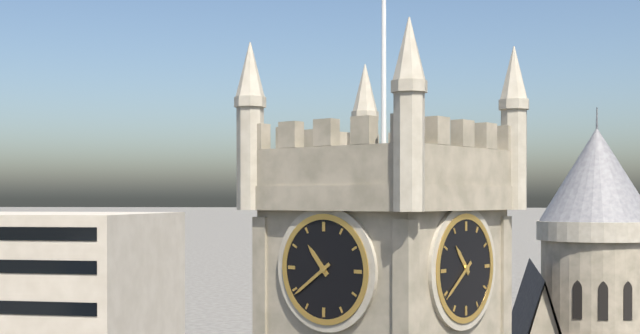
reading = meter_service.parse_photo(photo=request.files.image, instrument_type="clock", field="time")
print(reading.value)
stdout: 10:39
